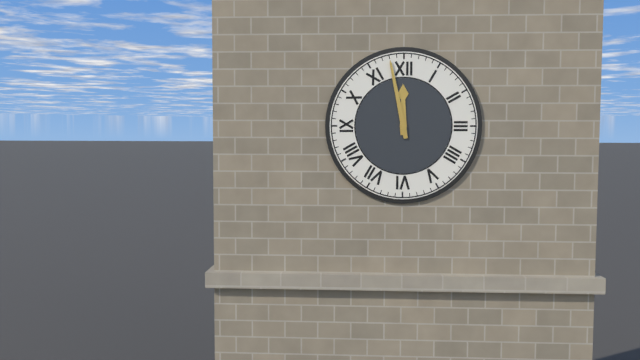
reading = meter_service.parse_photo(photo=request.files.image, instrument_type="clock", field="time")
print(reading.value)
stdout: 11:58
